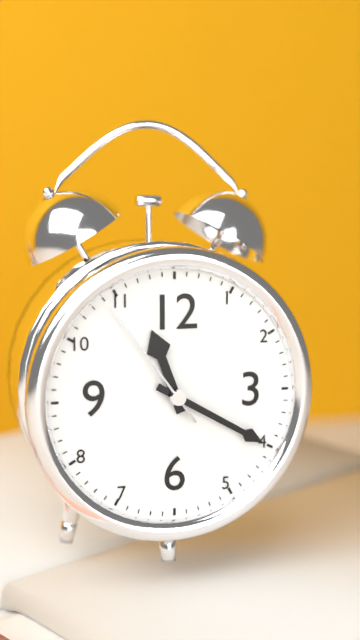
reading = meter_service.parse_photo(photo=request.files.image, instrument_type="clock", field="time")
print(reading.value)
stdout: 11:20:54
